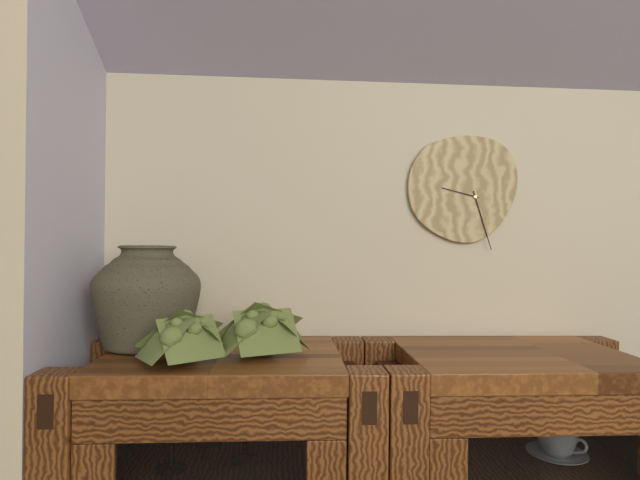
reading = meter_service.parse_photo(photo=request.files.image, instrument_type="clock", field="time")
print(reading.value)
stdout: 9:27
